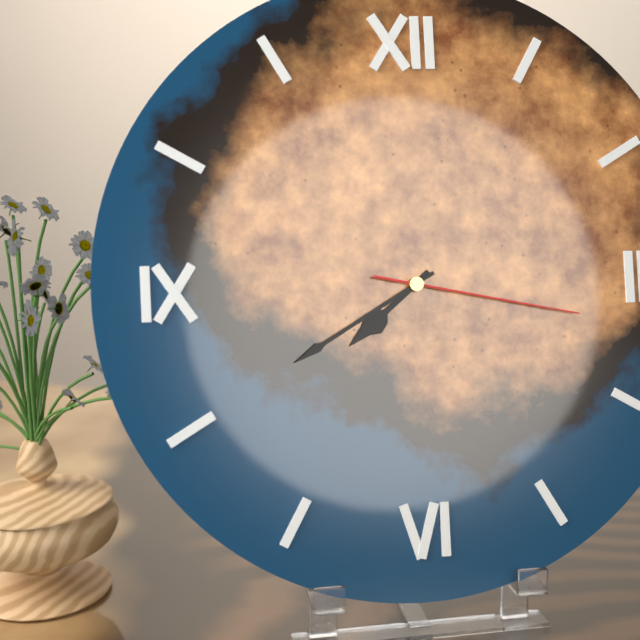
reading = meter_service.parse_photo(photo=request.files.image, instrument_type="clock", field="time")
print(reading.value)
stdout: 7:40:17
